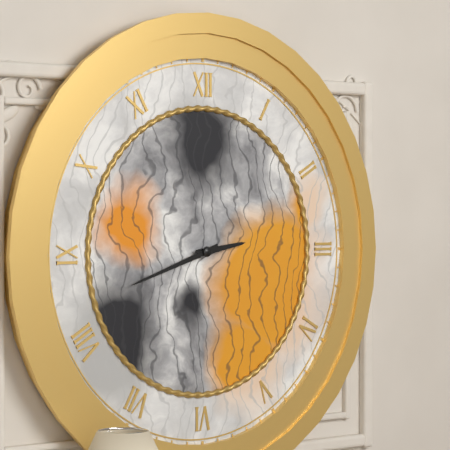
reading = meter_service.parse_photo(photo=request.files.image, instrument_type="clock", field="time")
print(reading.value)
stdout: 2:42
